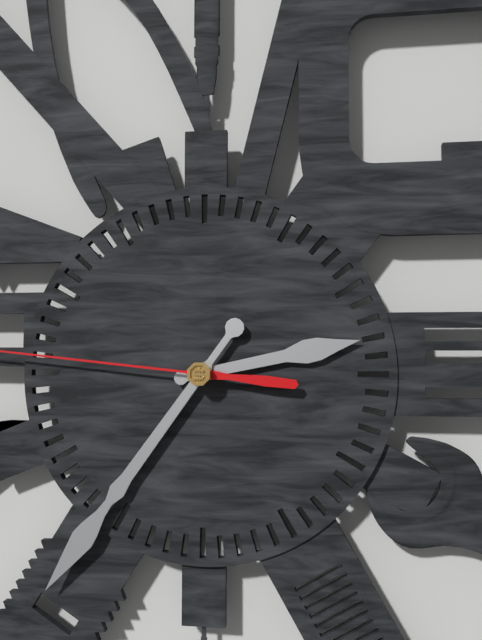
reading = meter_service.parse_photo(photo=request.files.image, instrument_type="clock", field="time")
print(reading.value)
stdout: 2:36
